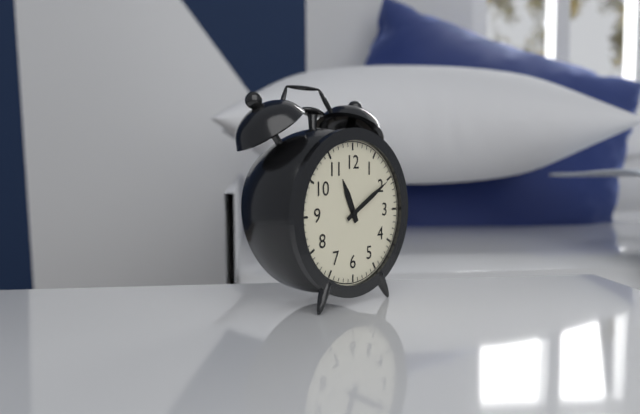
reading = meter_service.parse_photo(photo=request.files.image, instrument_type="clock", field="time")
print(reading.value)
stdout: 11:10
